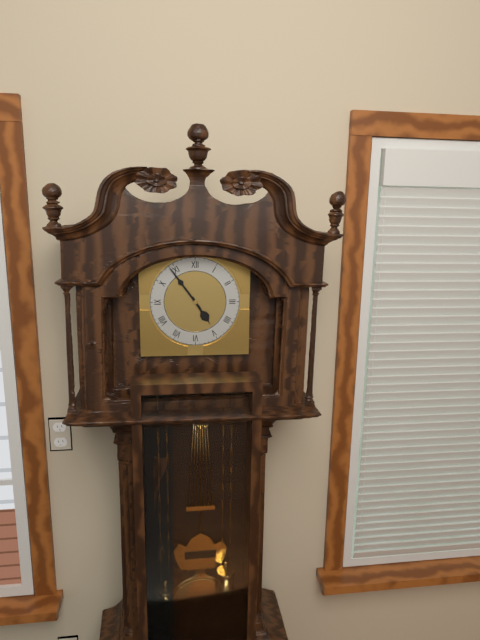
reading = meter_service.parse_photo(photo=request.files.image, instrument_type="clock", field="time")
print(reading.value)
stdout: 4:54
